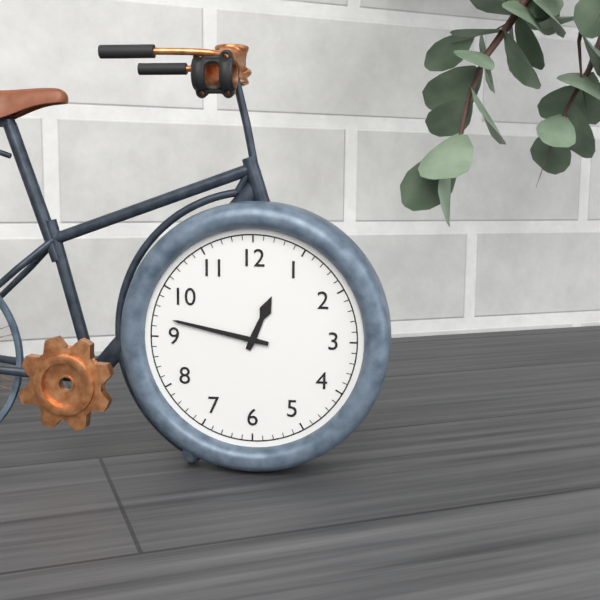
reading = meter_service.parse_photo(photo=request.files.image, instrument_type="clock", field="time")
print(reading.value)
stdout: 12:47
